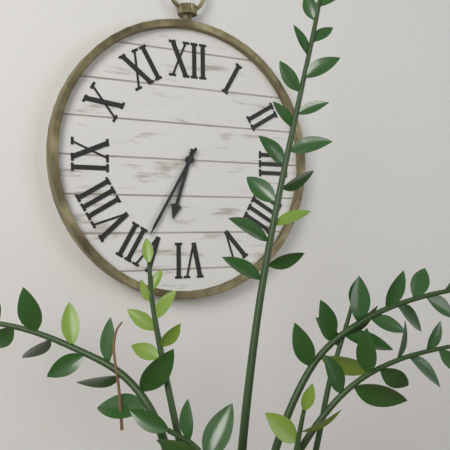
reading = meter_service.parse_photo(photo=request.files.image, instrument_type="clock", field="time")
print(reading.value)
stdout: 6:35
